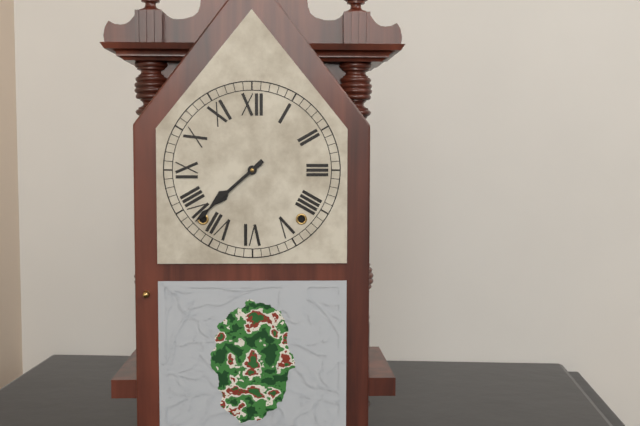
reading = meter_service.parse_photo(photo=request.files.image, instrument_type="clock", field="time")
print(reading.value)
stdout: 7:38
